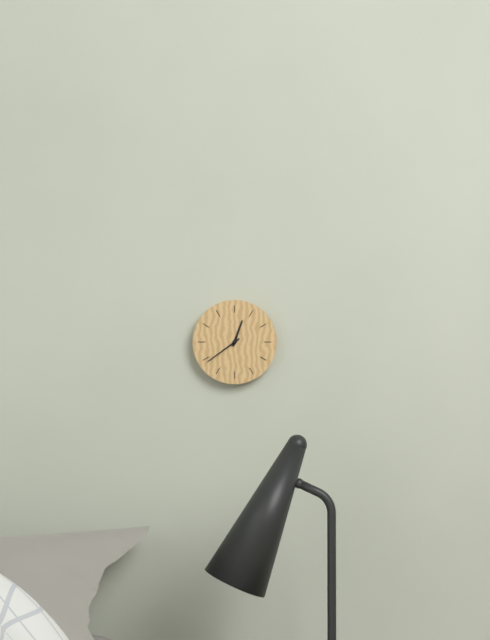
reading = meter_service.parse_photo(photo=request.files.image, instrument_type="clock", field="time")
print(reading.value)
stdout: 12:39
